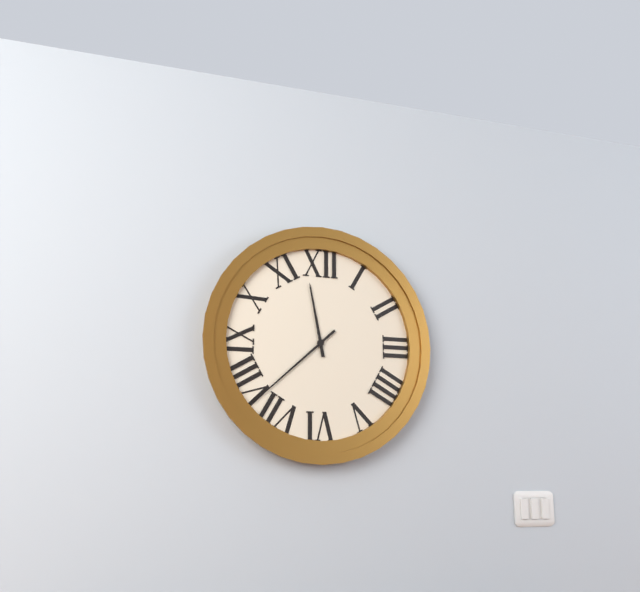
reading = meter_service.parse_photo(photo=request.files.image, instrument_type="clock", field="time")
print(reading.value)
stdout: 11:38
